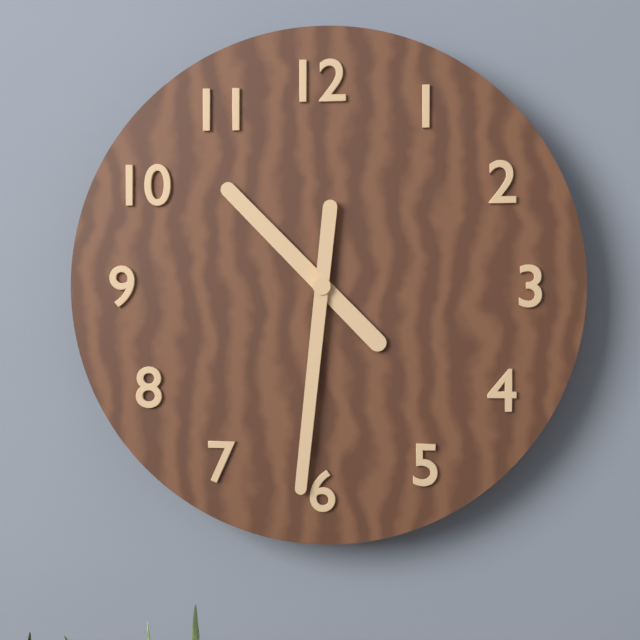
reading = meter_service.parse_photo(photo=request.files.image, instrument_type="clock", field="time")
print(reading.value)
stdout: 10:31
